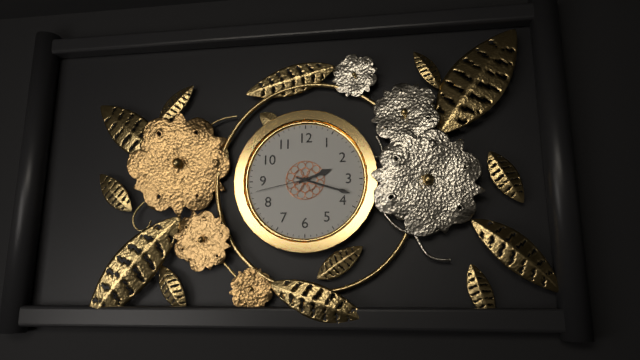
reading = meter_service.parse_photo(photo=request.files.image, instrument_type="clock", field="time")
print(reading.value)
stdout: 2:18:43
